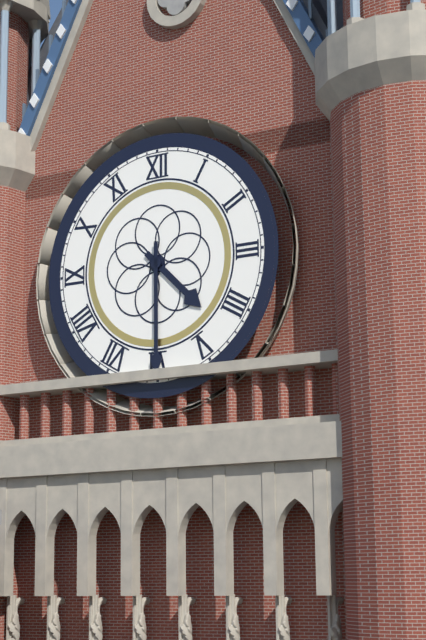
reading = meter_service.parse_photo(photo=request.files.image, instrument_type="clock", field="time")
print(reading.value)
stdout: 4:30
